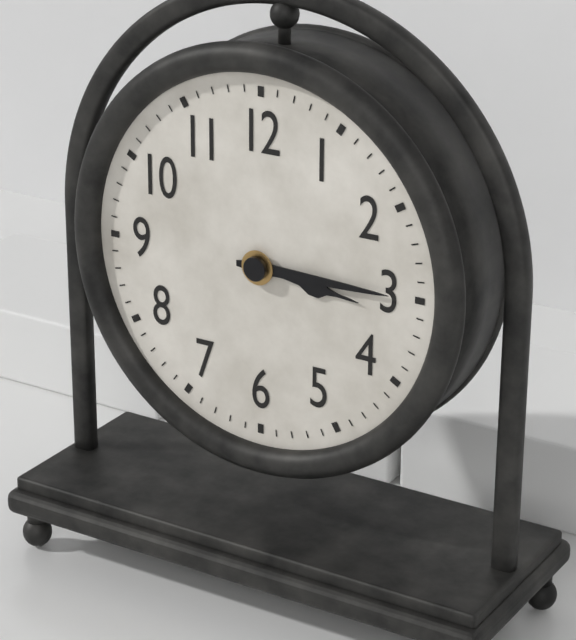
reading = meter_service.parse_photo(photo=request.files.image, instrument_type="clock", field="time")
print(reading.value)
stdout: 3:15
